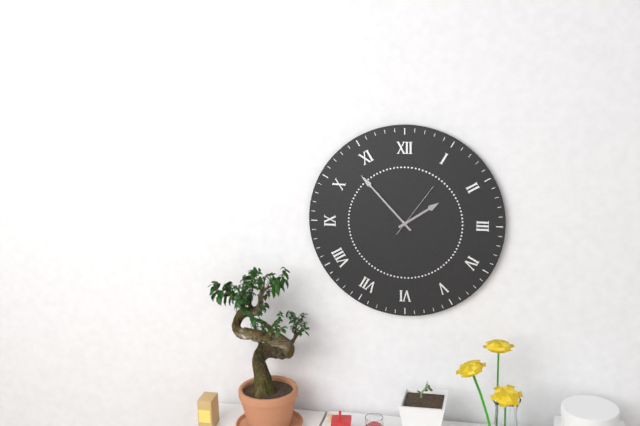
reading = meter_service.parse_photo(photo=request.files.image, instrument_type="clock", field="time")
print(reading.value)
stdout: 1:53:06
